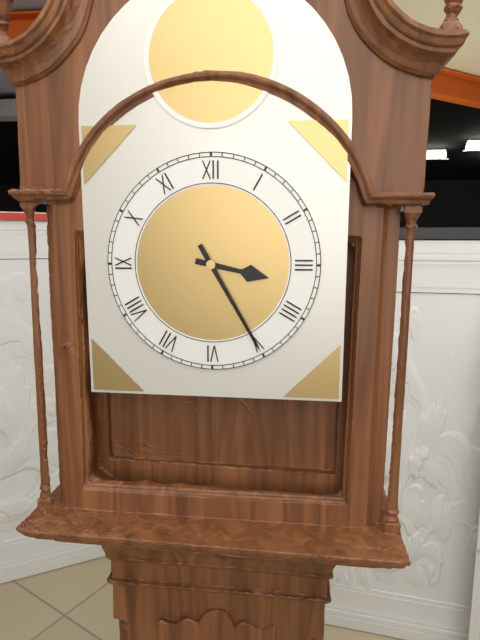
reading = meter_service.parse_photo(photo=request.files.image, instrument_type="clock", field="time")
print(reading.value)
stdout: 3:25
